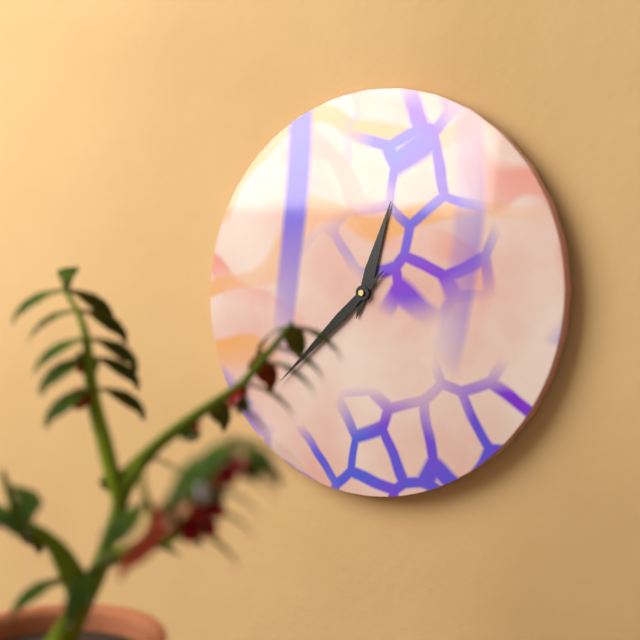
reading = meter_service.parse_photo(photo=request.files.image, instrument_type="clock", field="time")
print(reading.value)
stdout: 12:38
